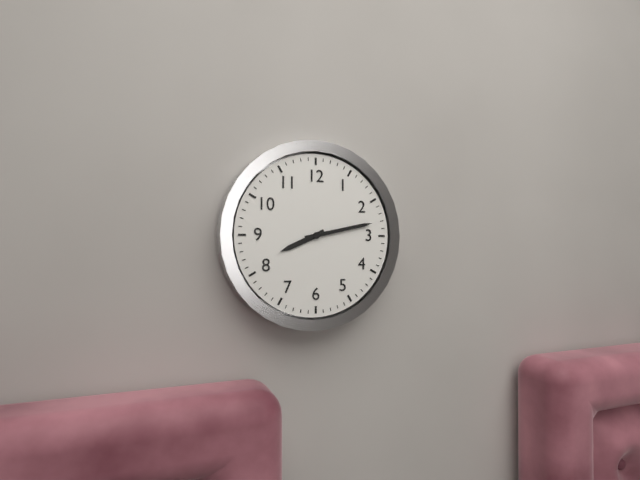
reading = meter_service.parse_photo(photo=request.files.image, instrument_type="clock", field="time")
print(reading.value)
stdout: 8:13
